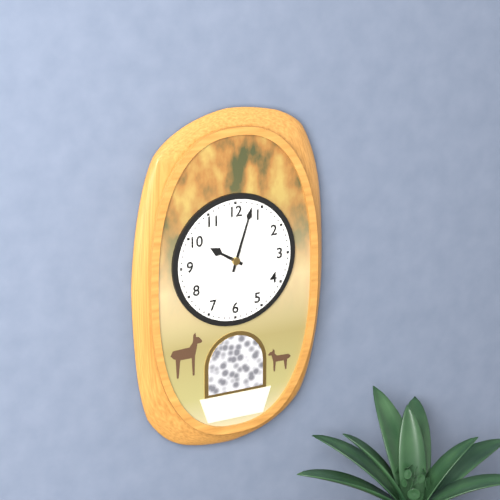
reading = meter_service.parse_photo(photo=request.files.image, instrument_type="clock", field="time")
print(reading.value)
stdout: 10:03
